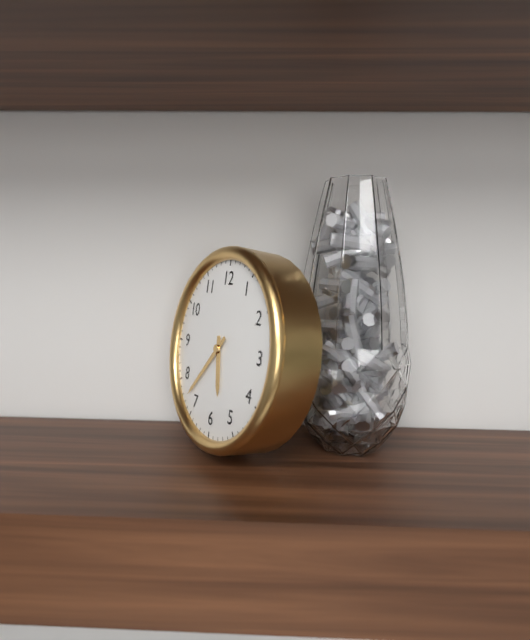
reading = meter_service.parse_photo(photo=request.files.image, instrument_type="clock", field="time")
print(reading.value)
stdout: 5:37
